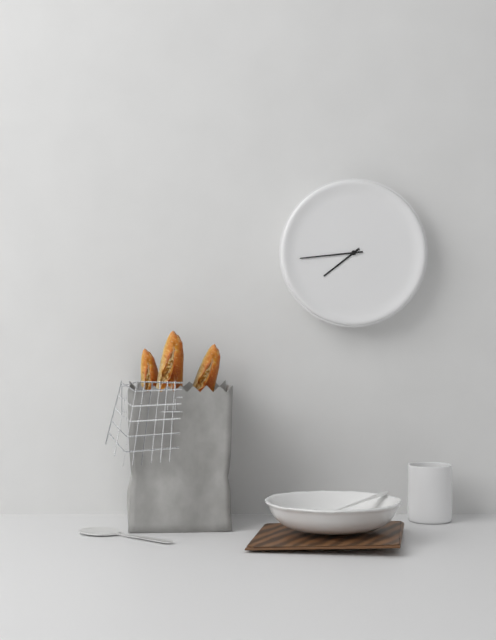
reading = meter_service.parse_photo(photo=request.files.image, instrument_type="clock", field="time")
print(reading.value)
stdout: 7:44
